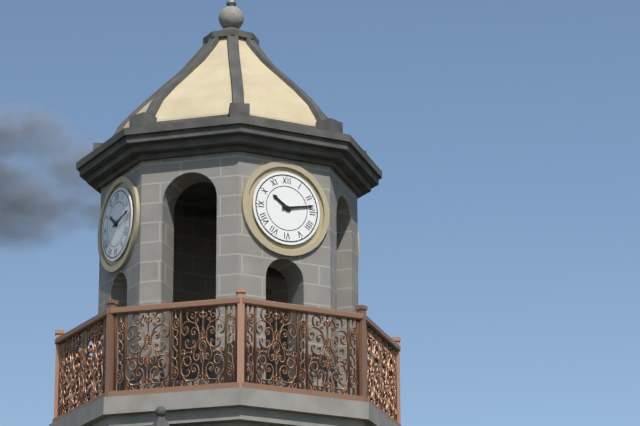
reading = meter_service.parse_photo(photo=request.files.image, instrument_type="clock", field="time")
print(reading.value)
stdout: 10:13
